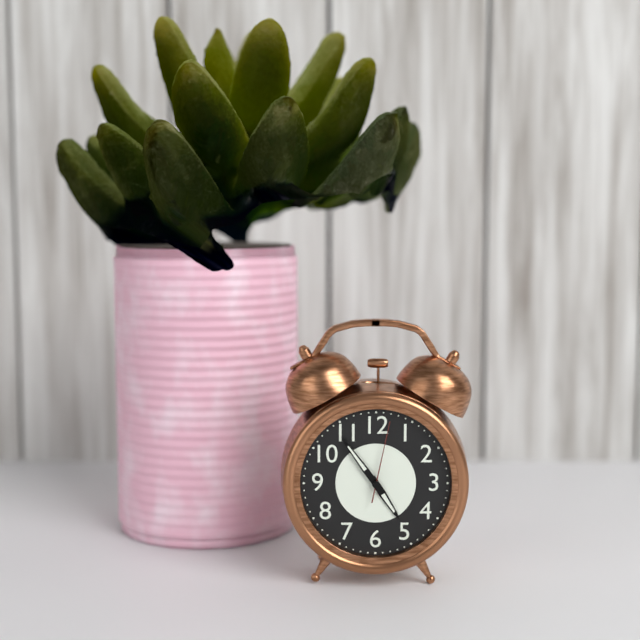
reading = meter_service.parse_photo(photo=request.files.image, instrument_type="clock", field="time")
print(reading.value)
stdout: 4:54:02
